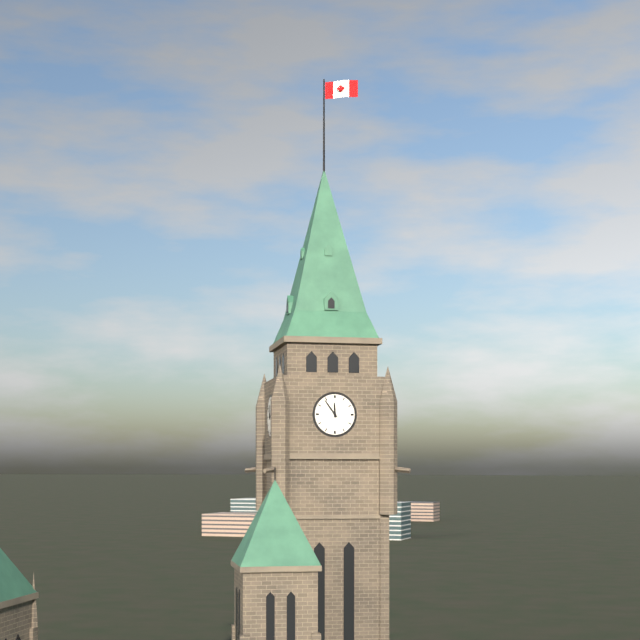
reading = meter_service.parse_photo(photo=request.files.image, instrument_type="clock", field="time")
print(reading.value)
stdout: 11:54
